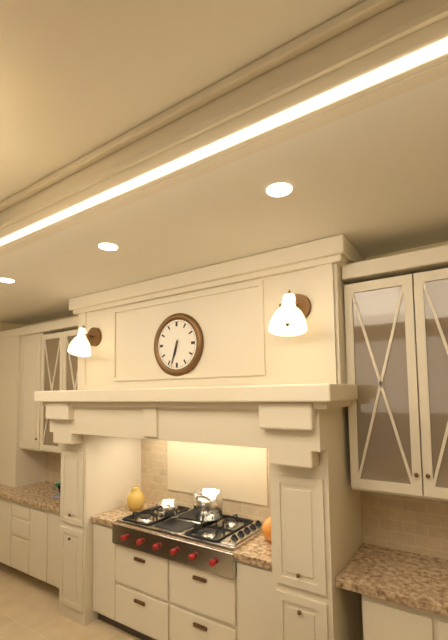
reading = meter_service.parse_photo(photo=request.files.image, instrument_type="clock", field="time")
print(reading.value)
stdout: 6:33
